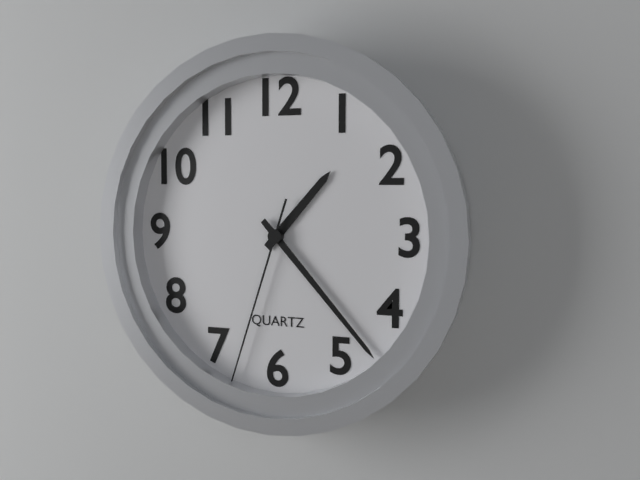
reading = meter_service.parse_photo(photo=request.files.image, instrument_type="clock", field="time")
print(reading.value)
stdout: 1:23:33
